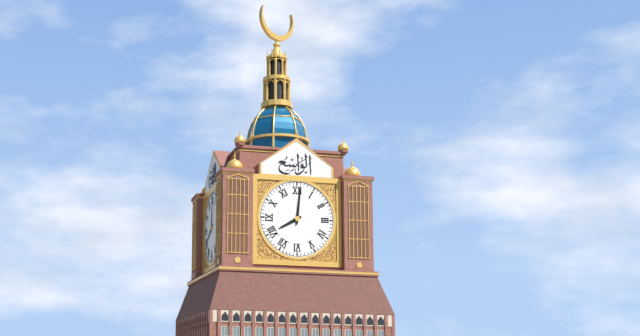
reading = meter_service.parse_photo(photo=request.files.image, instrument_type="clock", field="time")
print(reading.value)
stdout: 8:01
